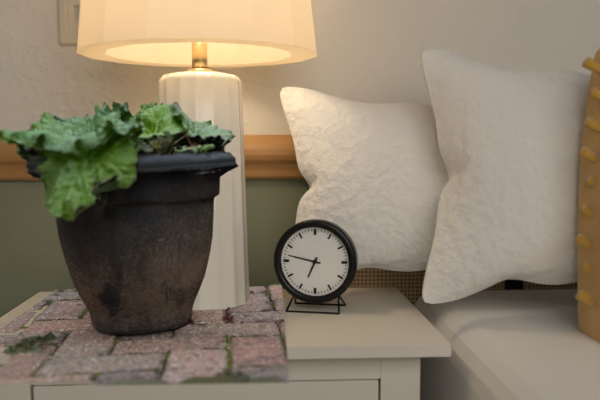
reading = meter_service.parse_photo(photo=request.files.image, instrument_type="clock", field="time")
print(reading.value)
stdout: 6:47
